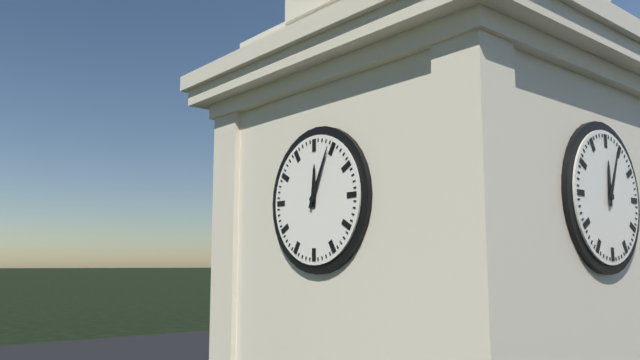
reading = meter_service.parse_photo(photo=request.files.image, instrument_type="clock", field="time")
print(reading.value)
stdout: 12:04
